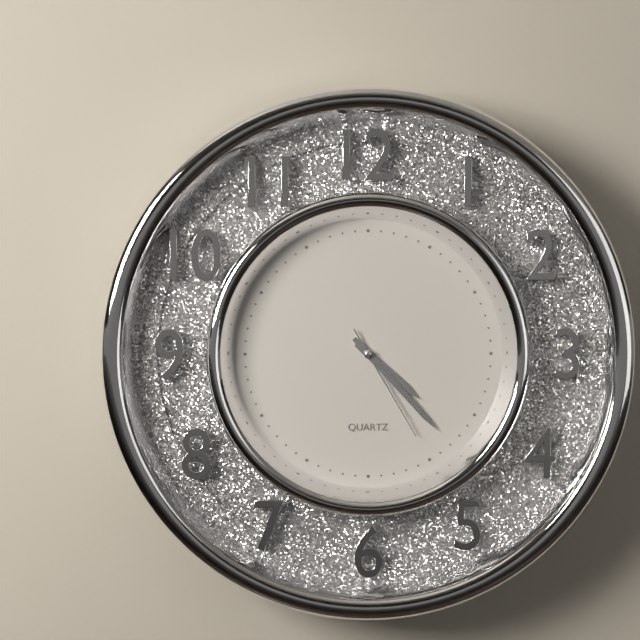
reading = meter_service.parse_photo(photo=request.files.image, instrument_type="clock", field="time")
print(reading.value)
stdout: 4:23:25
